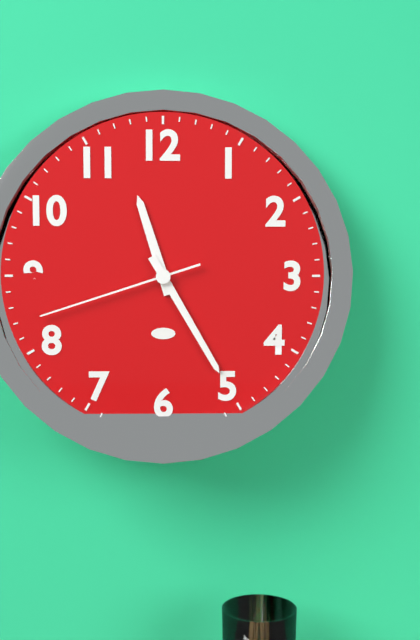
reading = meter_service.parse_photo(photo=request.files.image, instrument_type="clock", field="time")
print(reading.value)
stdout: 11:25:42
